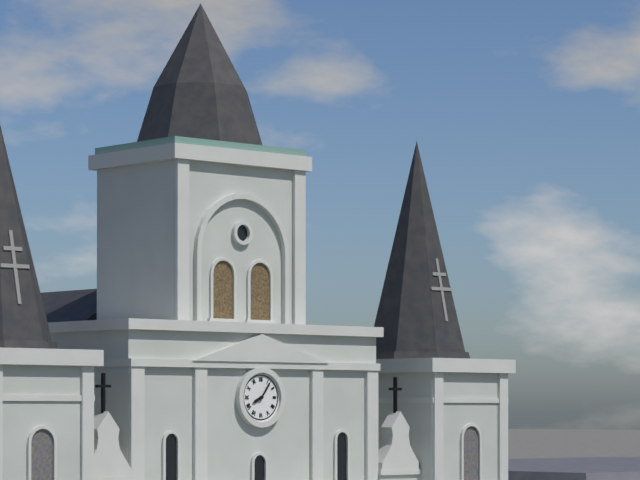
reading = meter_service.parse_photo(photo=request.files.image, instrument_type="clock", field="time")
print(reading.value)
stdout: 8:06
